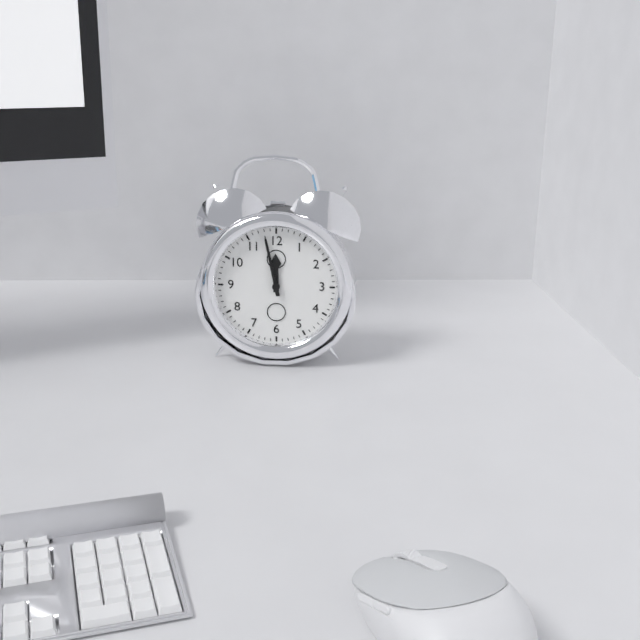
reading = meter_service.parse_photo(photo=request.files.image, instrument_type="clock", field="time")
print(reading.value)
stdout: 11:58
